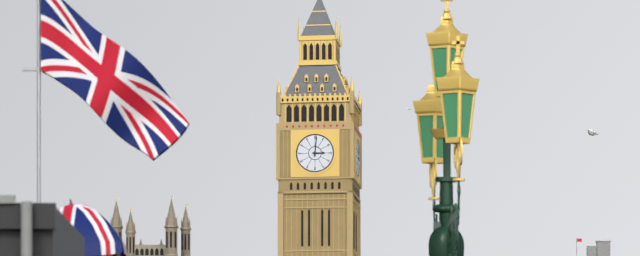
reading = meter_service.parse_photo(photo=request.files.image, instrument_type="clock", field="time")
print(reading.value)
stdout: 3:01
